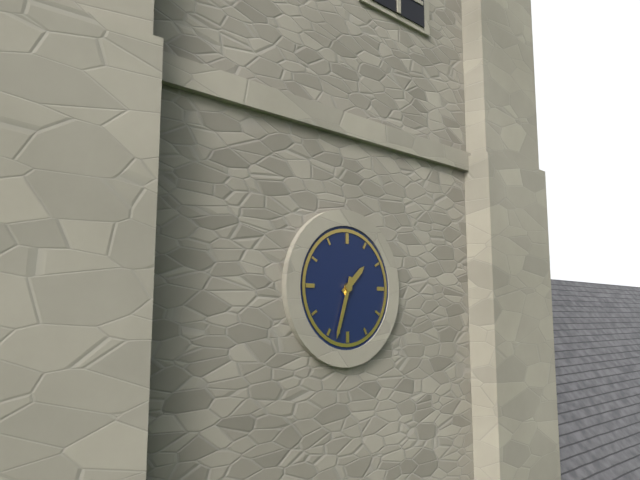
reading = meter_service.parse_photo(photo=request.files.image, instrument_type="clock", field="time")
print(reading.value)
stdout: 1:33
